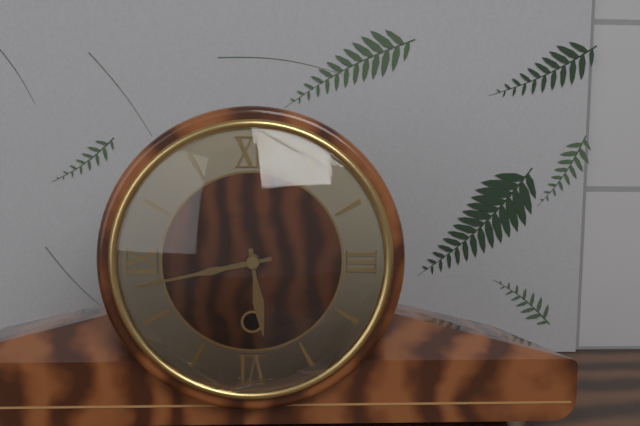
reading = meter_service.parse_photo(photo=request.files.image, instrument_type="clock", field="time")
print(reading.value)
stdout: 5:43
